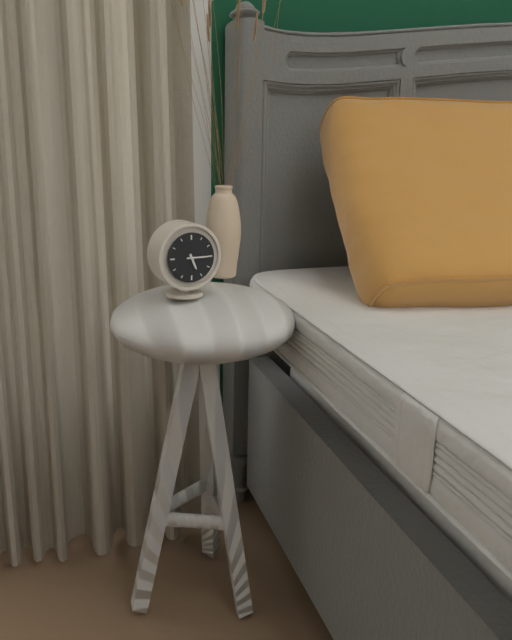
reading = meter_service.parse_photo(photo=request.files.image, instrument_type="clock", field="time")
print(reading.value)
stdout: 5:15
